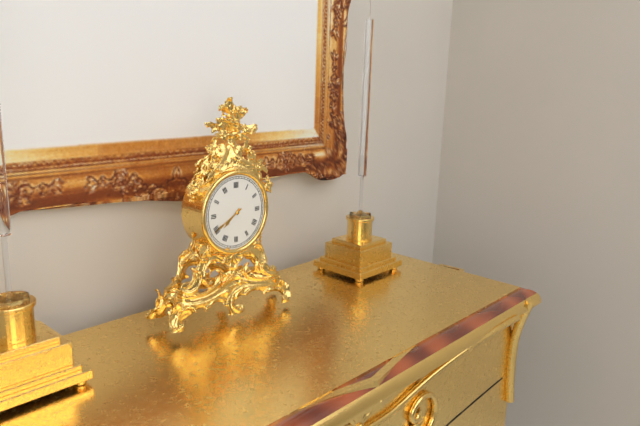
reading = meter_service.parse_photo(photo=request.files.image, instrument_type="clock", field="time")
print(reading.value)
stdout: 7:40
